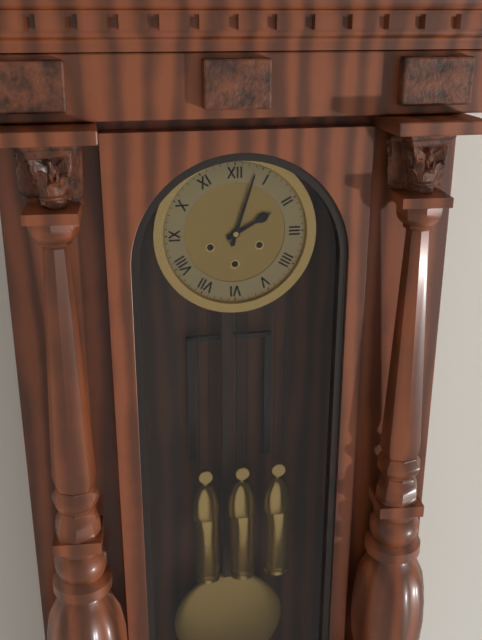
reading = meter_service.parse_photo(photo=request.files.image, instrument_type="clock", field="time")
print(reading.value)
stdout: 2:03
